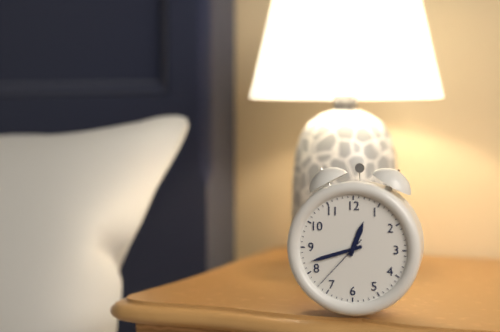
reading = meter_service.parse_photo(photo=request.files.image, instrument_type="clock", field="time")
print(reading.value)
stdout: 12:42:37
